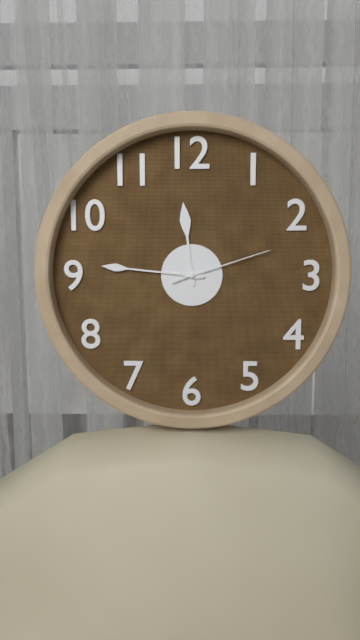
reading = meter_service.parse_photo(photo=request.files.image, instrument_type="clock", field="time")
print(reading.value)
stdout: 11:46:12
